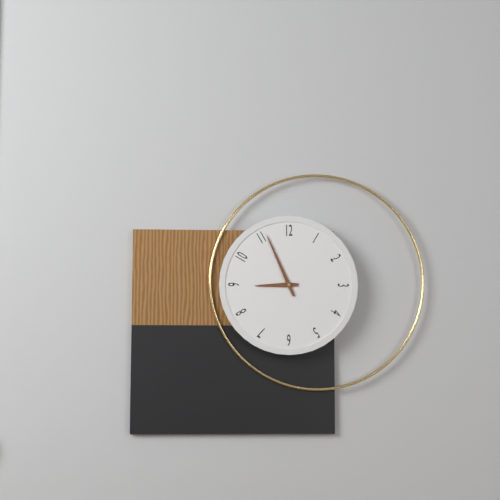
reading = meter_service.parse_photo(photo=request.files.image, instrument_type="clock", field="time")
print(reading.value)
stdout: 8:56
